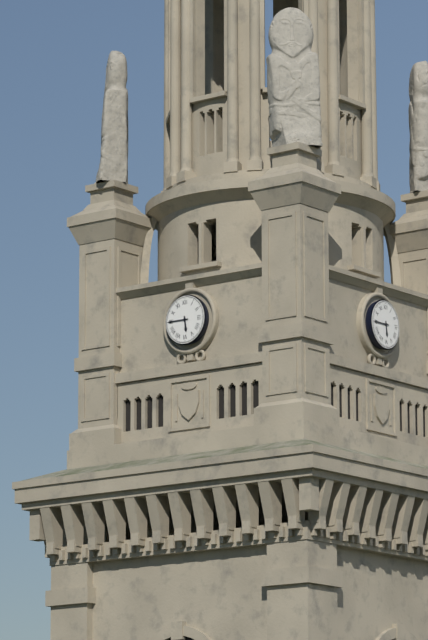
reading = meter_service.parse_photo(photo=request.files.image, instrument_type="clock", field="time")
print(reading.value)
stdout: 5:45
